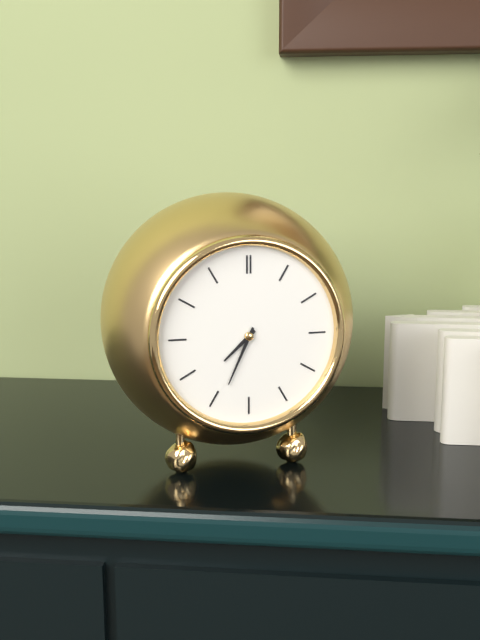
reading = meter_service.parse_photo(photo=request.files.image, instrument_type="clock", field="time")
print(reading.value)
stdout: 7:34
